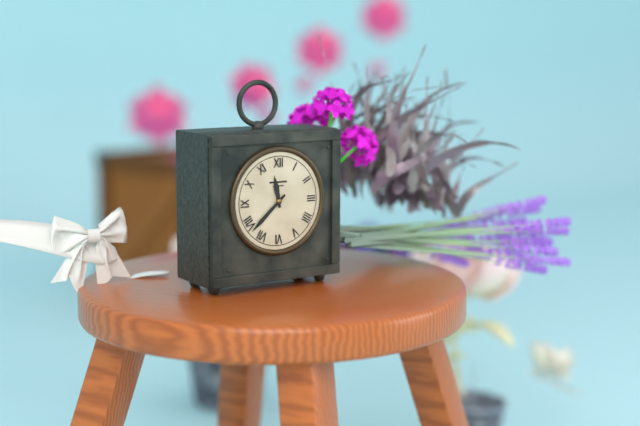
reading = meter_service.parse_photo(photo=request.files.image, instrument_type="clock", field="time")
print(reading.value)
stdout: 11:38
